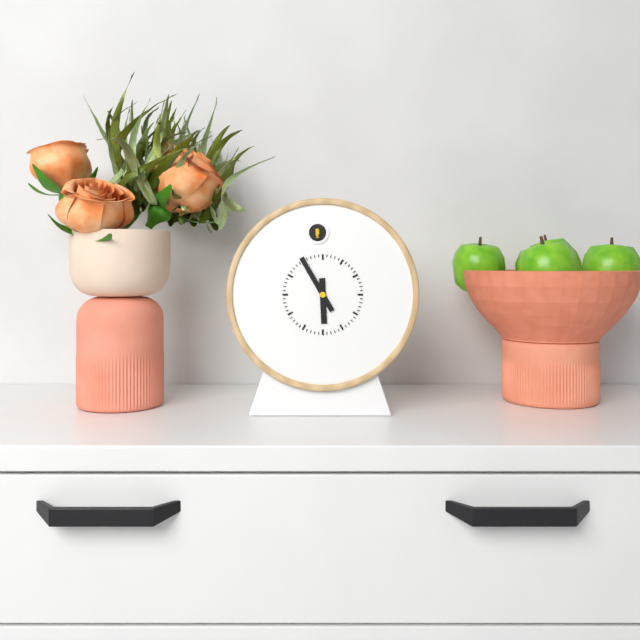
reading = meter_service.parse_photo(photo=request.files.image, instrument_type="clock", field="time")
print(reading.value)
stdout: 5:55
